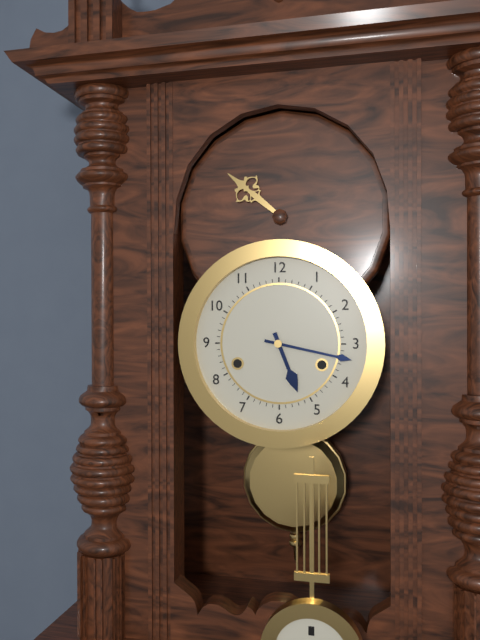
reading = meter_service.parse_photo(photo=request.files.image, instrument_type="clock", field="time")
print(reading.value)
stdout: 5:17
